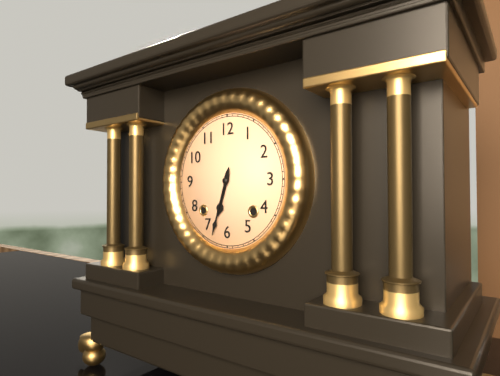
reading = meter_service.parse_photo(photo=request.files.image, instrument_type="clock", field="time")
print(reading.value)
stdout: 6:33
